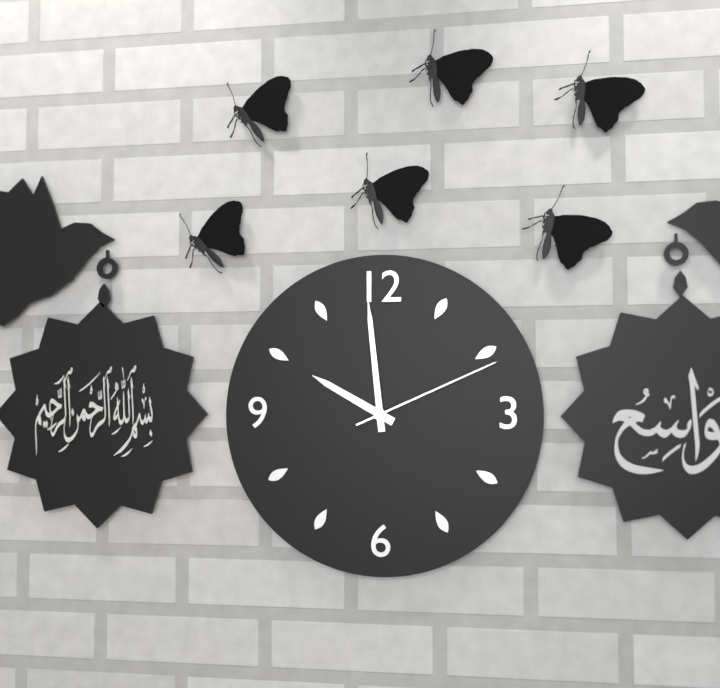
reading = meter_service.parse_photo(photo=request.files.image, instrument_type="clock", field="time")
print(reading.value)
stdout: 9:59:11
